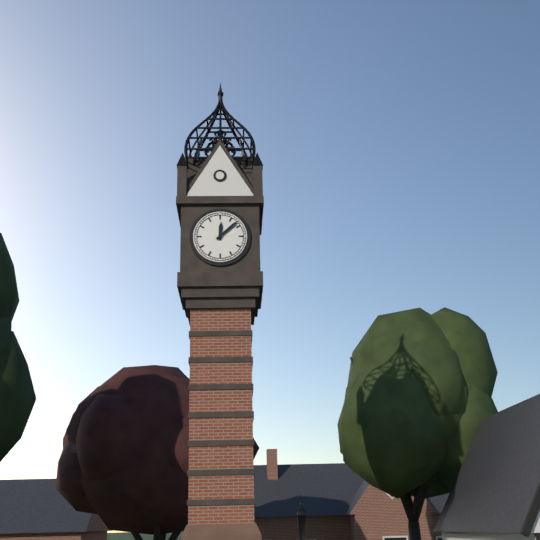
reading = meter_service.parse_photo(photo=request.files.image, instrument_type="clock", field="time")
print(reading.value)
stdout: 12:08
